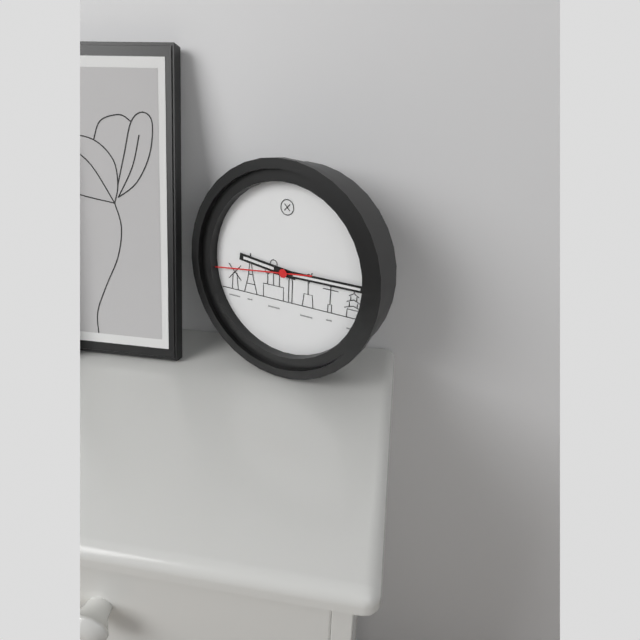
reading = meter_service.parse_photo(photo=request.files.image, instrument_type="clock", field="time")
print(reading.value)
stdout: 9:15:44
